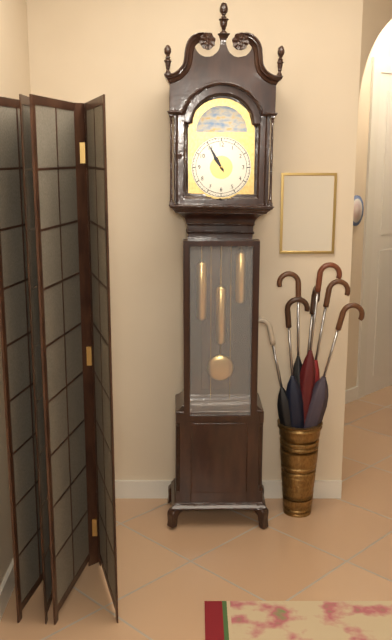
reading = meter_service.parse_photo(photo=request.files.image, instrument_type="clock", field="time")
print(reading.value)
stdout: 10:55
